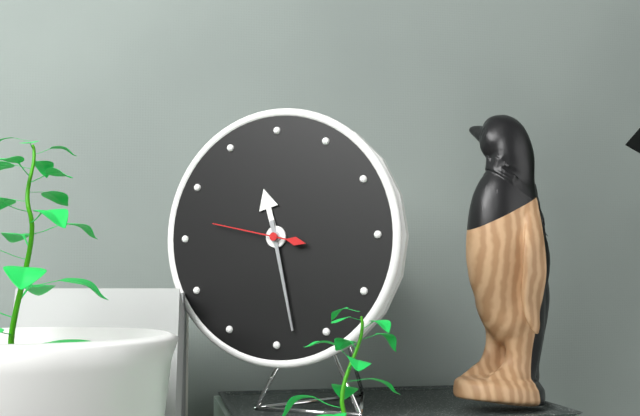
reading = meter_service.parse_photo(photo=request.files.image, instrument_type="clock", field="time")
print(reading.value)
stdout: 11:28:47
